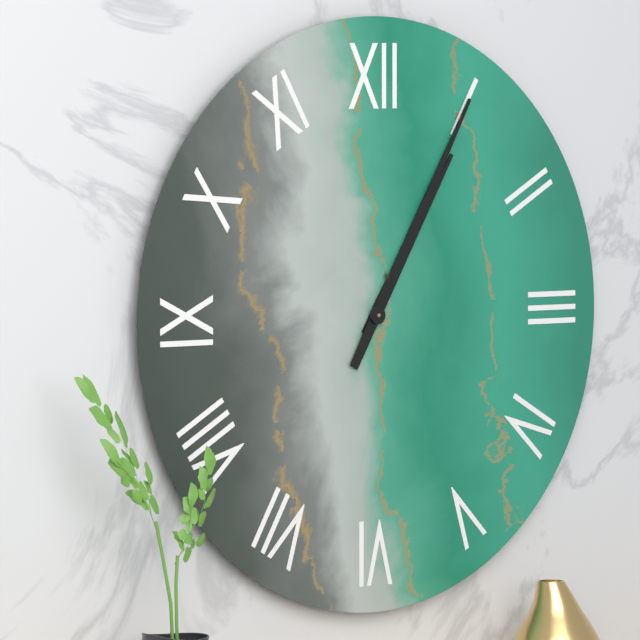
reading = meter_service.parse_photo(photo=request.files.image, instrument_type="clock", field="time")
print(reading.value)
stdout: 1:05
